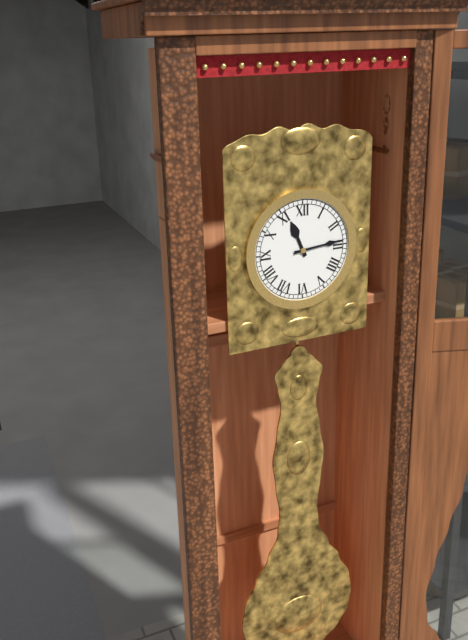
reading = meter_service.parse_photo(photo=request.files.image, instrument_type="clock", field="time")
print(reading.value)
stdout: 11:14
